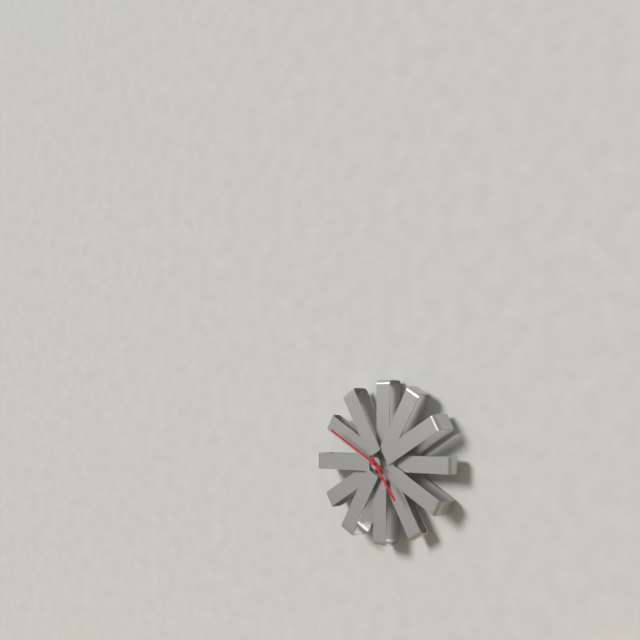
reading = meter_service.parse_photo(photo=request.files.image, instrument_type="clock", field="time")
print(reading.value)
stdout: 4:50
